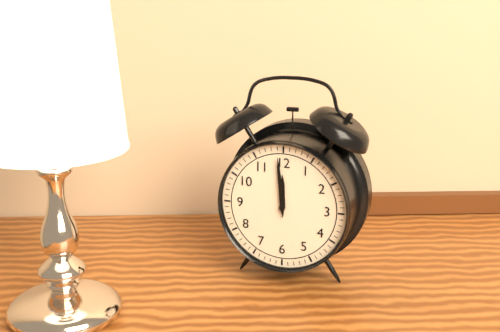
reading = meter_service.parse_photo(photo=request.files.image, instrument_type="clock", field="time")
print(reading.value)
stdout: 11:59
